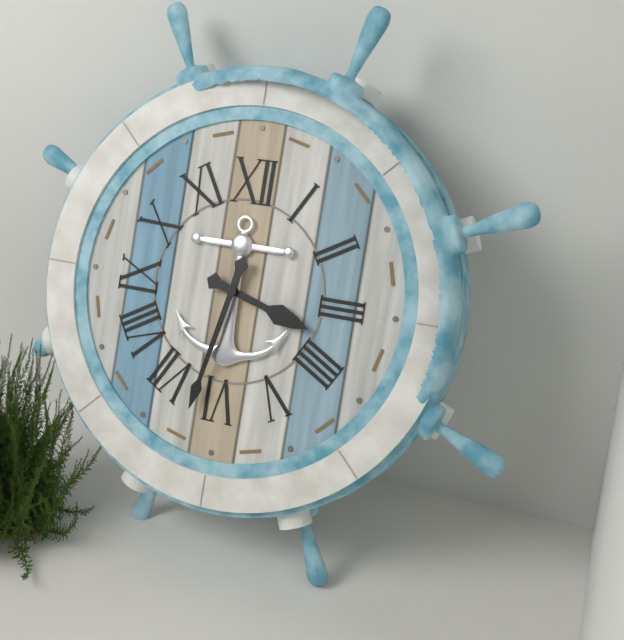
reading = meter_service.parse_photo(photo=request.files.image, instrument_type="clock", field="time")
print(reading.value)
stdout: 3:32
